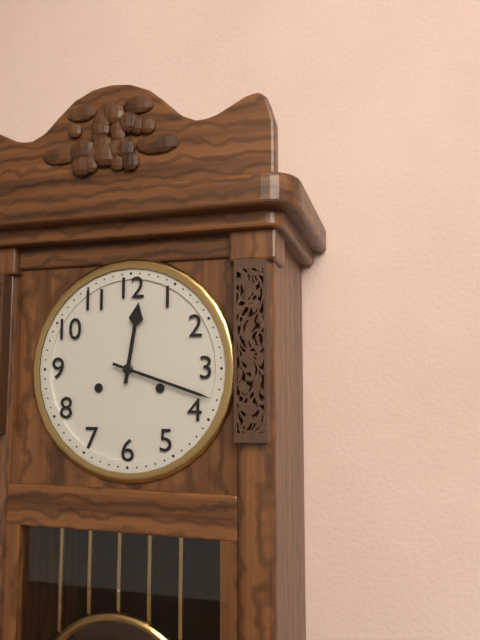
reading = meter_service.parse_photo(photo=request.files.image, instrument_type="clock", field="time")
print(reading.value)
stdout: 12:18
